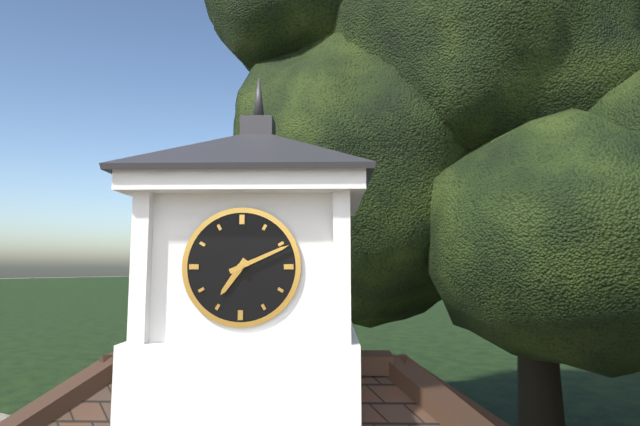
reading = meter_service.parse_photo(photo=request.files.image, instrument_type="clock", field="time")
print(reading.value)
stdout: 7:11
